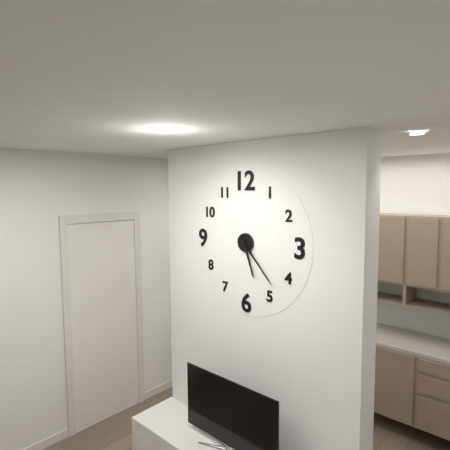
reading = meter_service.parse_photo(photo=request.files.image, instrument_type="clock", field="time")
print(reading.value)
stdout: 5:23
